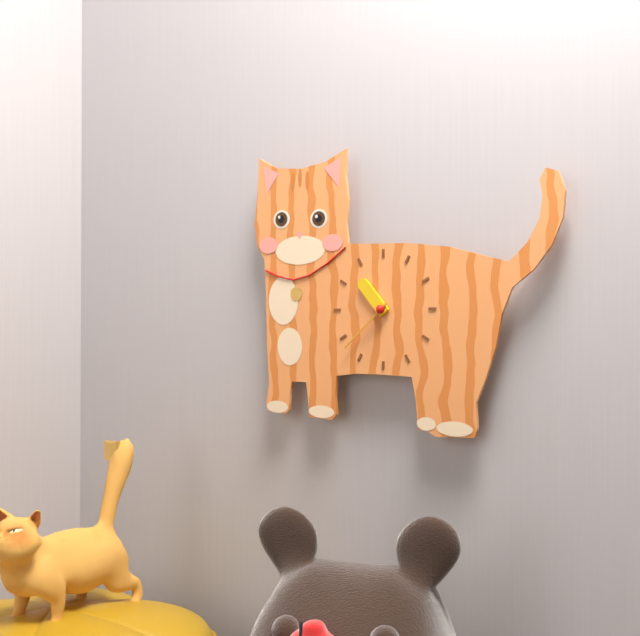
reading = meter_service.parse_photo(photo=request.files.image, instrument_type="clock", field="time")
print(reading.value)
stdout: 10:38
